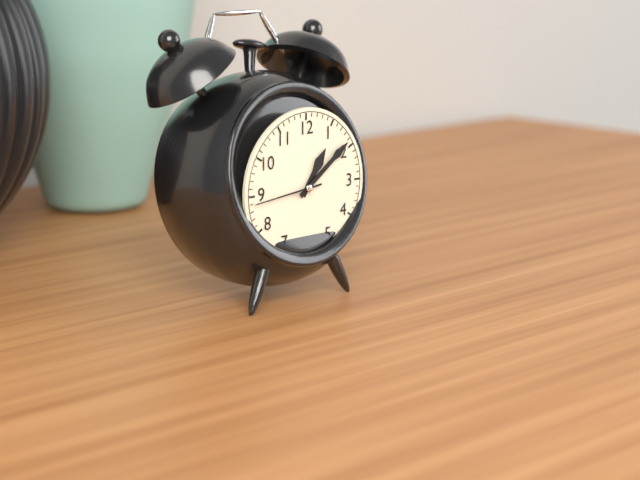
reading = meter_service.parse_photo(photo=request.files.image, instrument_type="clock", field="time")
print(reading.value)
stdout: 1:09:44
